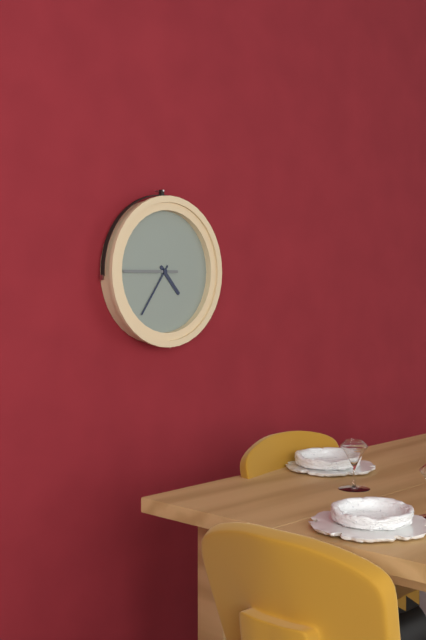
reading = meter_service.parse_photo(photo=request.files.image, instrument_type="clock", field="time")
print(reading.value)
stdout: 4:36:45
